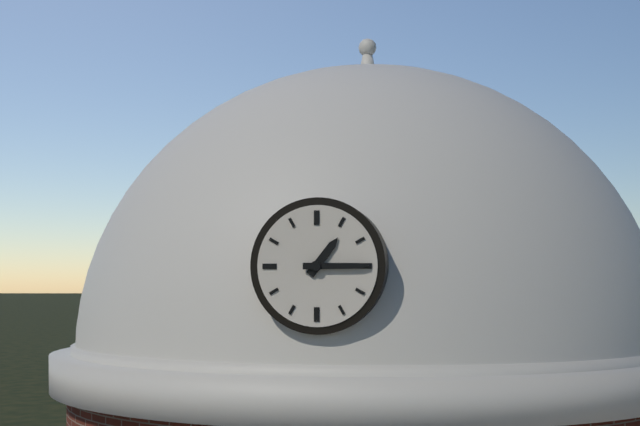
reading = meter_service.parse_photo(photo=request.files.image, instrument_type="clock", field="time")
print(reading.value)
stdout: 1:15
